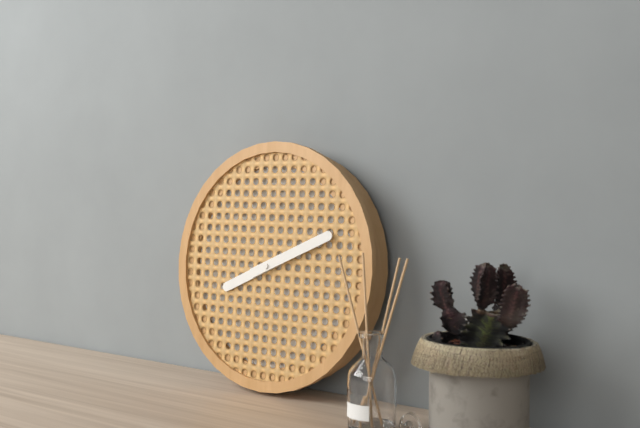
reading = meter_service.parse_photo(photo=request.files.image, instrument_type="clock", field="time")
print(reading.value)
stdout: 8:11
